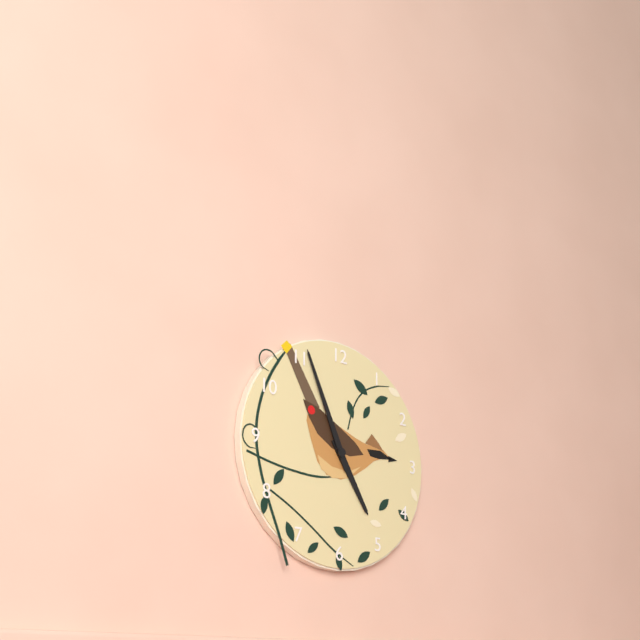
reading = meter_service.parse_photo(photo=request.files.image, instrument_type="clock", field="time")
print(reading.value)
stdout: 4:56
